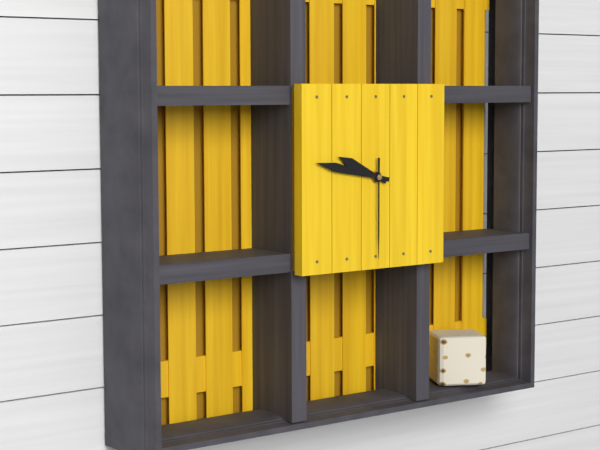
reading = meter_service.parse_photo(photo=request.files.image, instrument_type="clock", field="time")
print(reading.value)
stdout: 9:47:30
